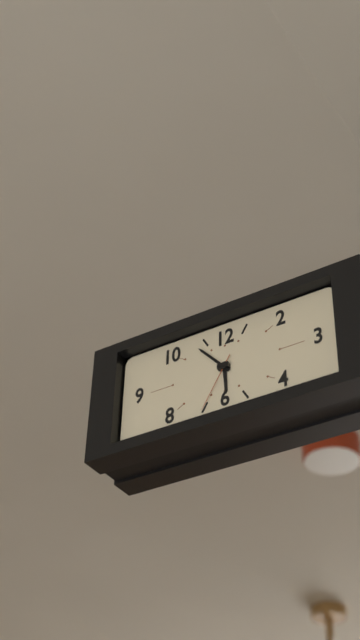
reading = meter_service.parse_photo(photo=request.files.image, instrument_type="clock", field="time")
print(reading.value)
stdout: 5:53:35
